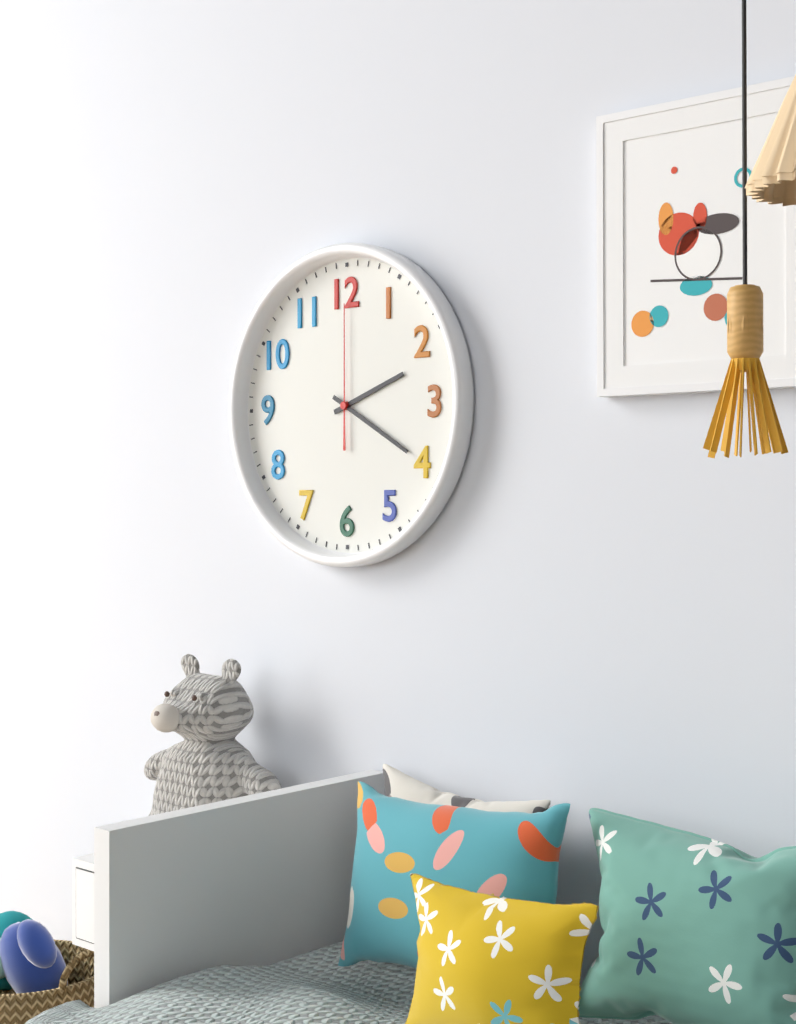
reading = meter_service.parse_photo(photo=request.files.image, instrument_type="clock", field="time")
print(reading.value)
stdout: 2:20:00
